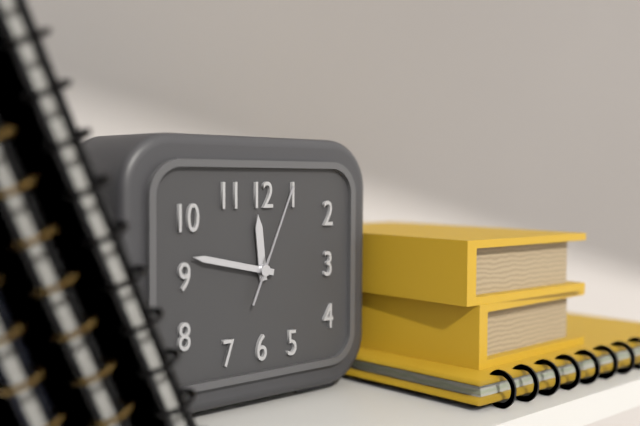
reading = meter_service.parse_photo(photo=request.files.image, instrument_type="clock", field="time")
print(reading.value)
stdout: 11:47:04
